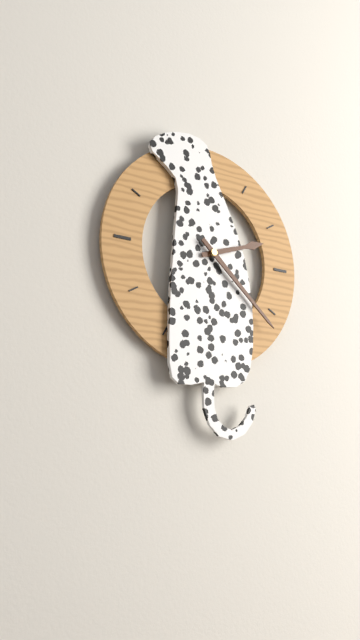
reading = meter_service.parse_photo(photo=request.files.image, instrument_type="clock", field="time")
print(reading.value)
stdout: 2:22
